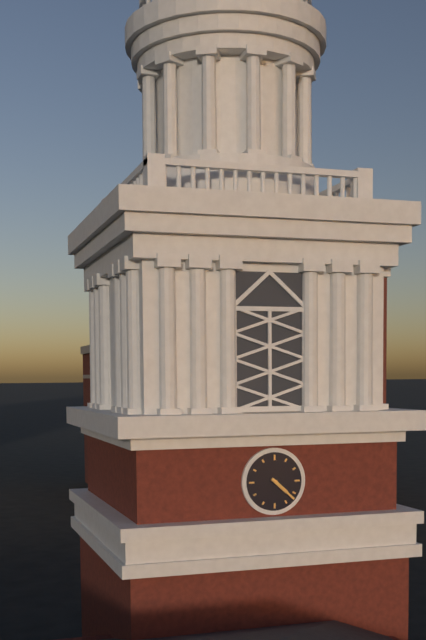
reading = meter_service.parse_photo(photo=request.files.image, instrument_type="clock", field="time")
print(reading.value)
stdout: 4:22
